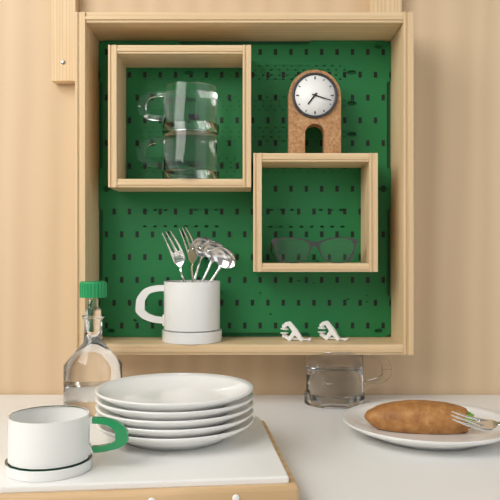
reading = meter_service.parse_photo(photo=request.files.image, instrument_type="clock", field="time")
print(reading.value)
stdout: 7:18
